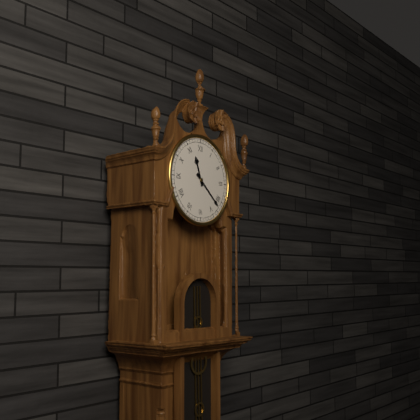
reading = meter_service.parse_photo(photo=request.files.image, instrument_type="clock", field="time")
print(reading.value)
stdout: 11:22
